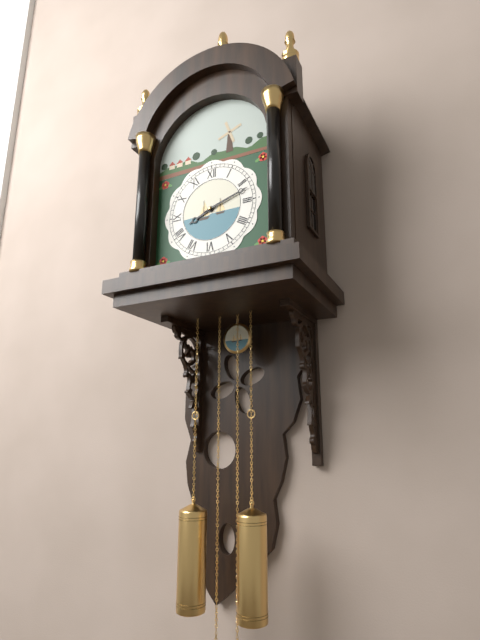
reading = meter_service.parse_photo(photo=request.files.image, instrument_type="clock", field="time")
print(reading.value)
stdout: 8:12
